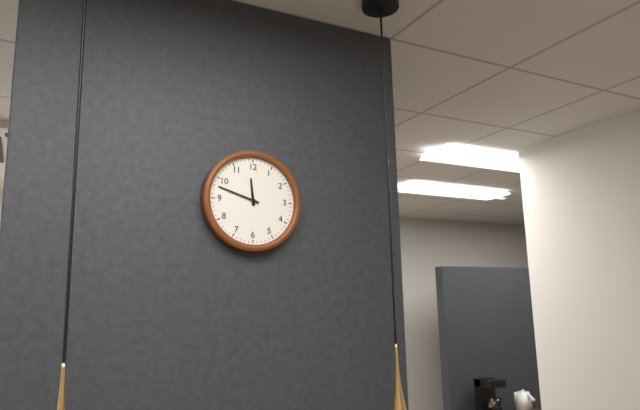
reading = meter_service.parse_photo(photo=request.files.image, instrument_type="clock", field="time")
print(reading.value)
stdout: 11:48
